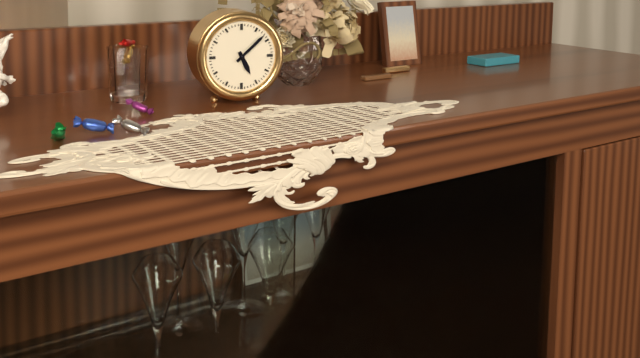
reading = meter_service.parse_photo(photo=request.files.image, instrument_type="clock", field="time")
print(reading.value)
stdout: 5:08
